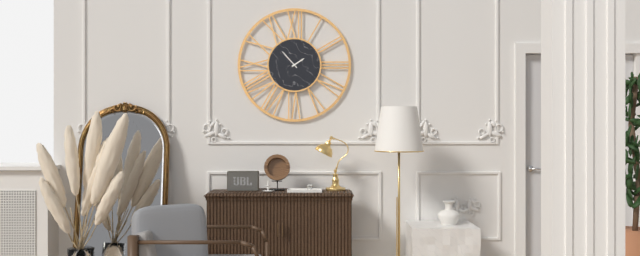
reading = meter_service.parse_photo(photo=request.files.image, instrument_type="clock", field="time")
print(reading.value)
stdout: 1:53
